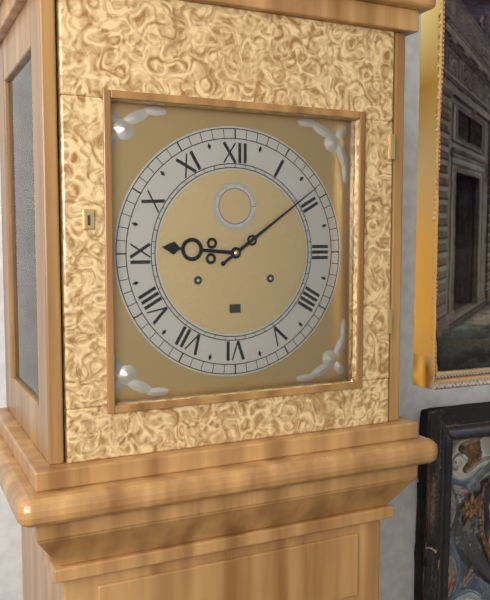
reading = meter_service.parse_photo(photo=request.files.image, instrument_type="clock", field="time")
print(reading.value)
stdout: 9:09
